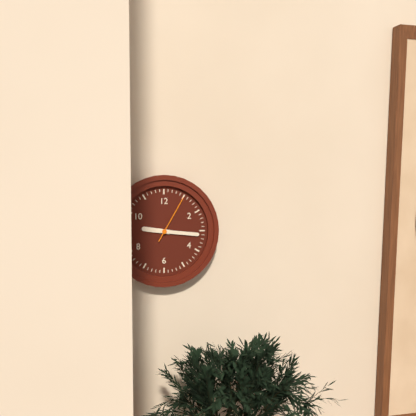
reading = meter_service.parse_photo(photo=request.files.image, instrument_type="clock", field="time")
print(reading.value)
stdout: 9:16
